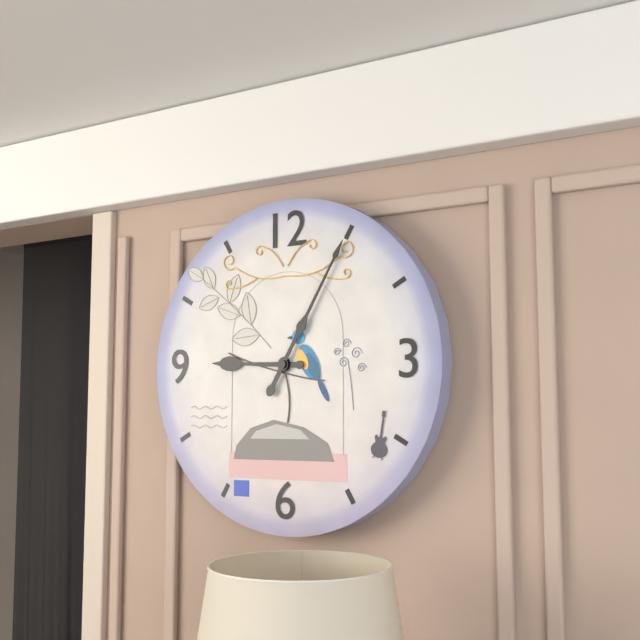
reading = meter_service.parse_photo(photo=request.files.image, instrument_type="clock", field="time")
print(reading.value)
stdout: 9:05
